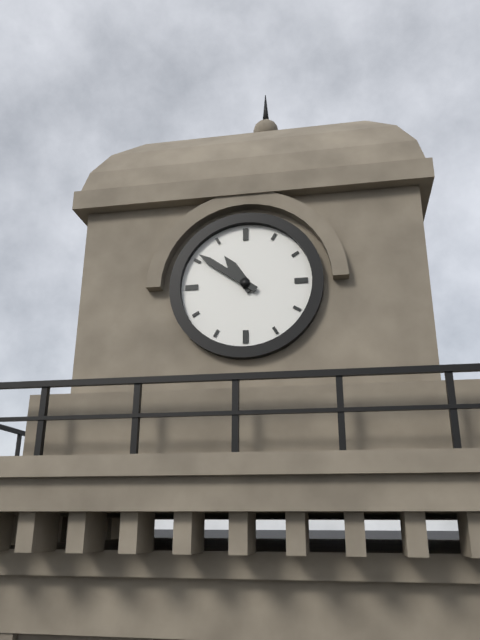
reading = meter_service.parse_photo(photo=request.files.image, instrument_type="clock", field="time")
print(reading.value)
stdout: 10:51
